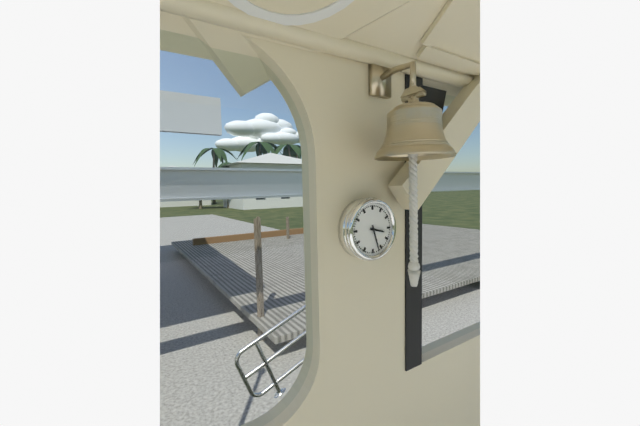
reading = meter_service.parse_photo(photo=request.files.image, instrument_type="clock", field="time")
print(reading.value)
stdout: 3:27
